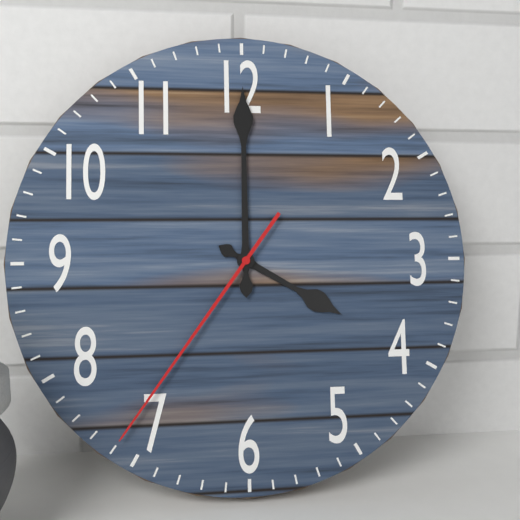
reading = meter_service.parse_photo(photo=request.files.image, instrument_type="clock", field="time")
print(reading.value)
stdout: 4:00:36
